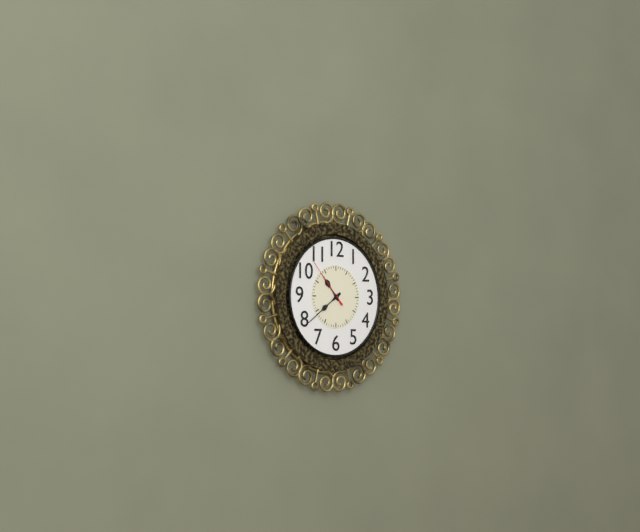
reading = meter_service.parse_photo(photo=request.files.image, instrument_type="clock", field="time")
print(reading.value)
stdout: 10:39:53
